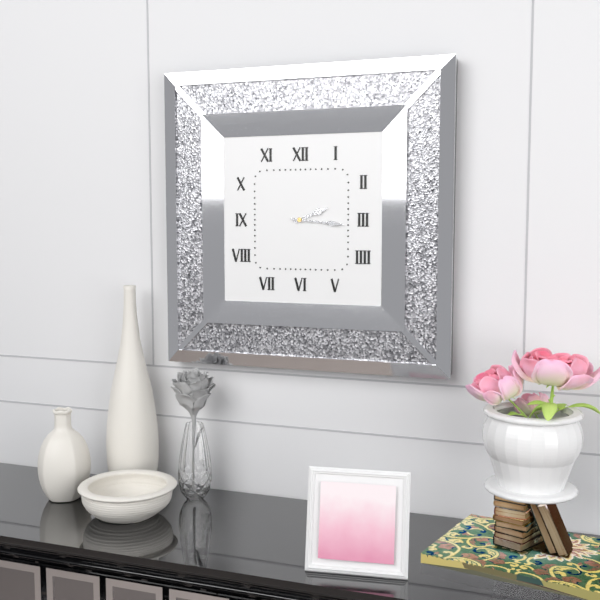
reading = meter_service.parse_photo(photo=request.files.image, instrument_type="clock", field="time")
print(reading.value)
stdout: 2:16
